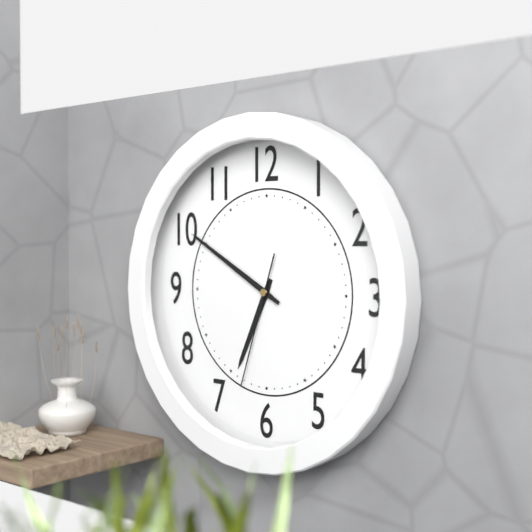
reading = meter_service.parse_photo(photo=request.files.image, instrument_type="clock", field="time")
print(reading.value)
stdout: 6:50:33
